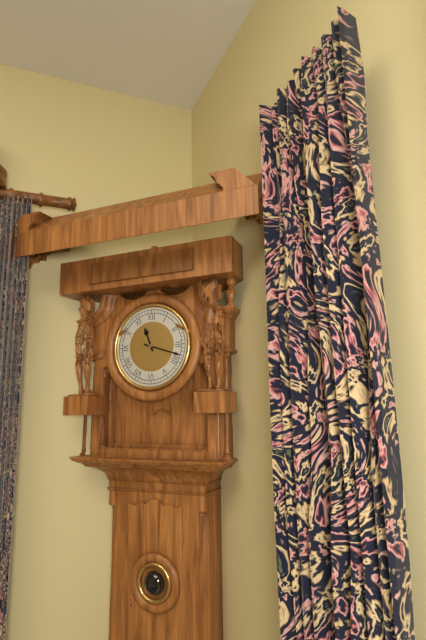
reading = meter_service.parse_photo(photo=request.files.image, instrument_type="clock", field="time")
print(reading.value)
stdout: 11:18
